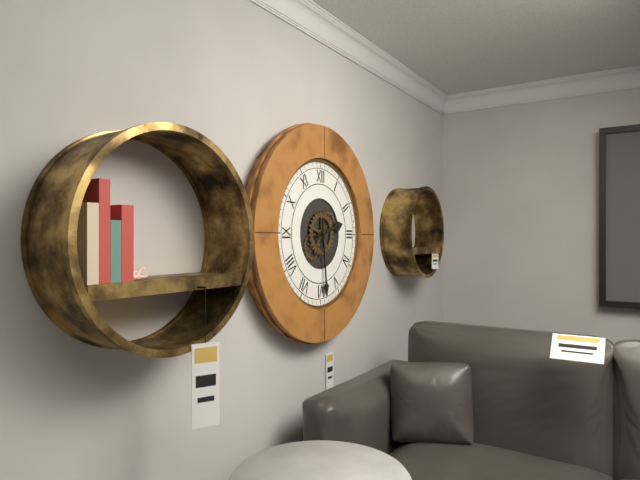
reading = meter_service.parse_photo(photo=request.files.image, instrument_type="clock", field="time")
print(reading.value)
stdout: 2:29
